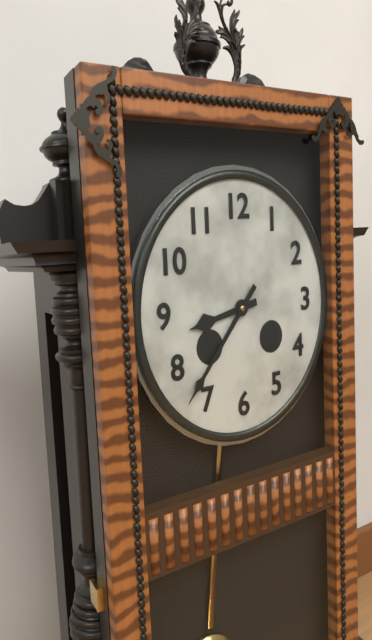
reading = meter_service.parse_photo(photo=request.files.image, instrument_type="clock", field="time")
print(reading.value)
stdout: 8:37
